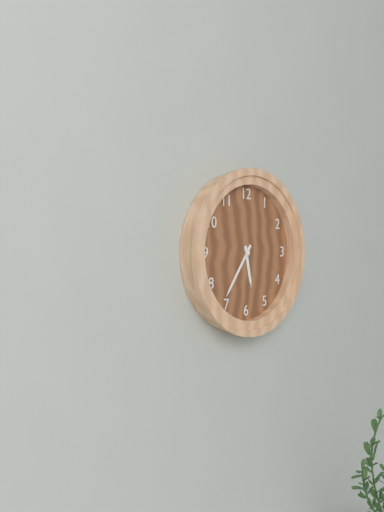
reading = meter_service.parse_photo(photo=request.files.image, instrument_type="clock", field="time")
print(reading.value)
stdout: 5:36
